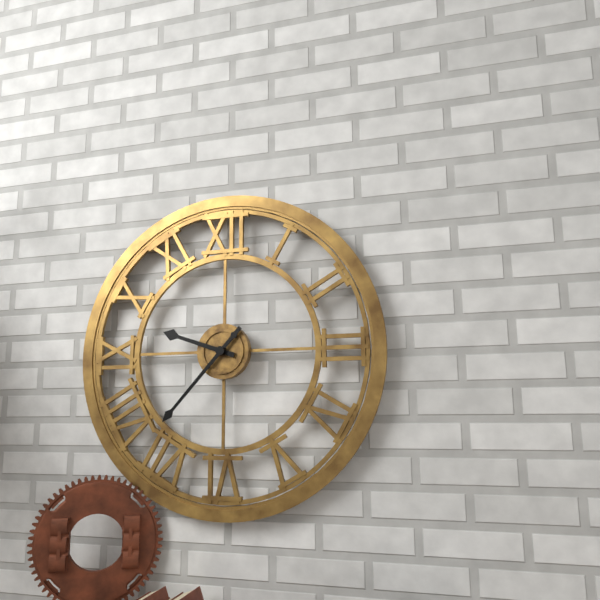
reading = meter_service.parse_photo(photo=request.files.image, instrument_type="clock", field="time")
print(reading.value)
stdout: 9:37
